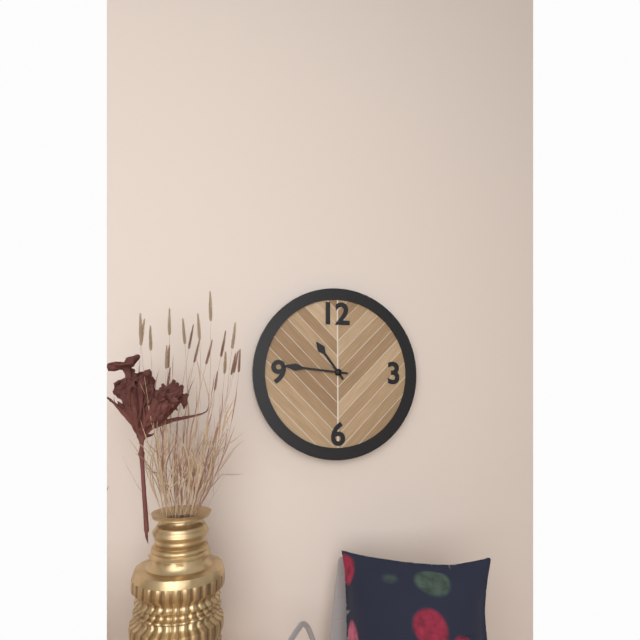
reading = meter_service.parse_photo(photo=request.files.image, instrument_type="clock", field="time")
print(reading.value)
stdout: 10:46
